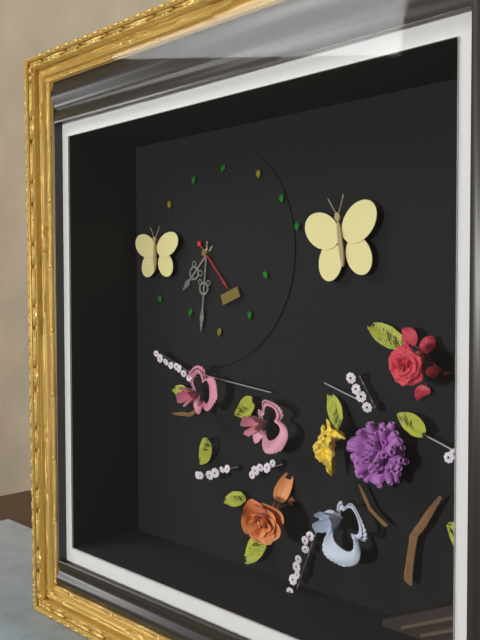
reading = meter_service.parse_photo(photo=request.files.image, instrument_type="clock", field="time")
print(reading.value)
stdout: 7:31:23
